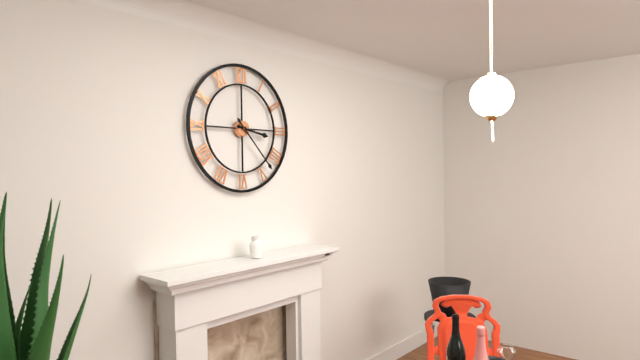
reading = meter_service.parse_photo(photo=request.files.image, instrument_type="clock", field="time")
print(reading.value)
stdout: 3:23
